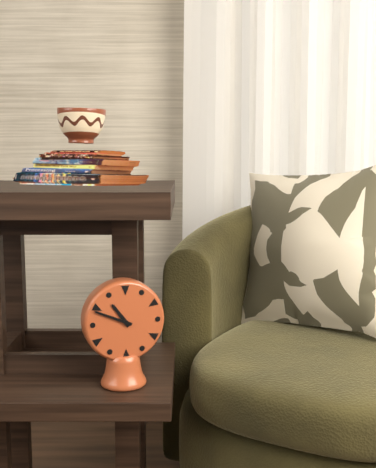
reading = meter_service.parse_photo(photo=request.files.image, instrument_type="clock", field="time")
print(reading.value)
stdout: 10:49
